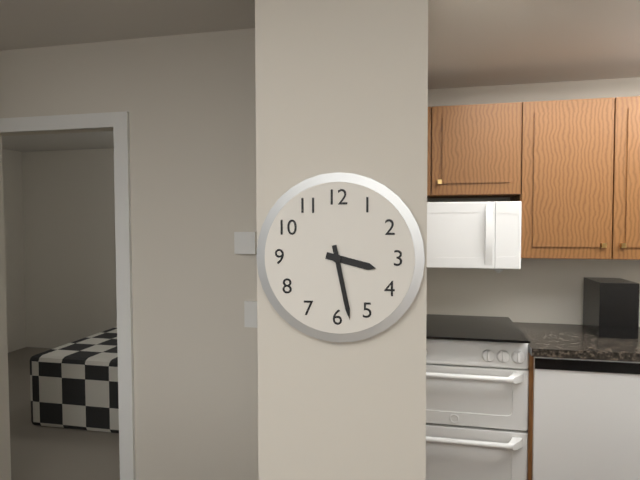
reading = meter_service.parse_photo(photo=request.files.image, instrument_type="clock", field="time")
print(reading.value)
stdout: 3:28
